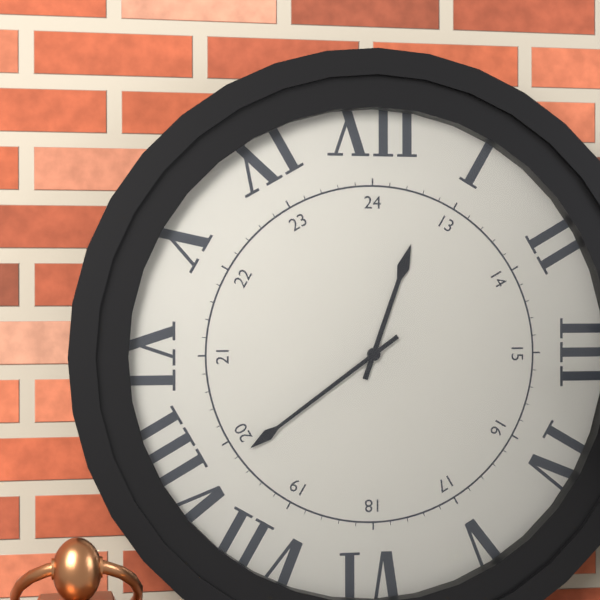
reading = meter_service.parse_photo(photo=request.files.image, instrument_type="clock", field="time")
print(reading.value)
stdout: 12:39
